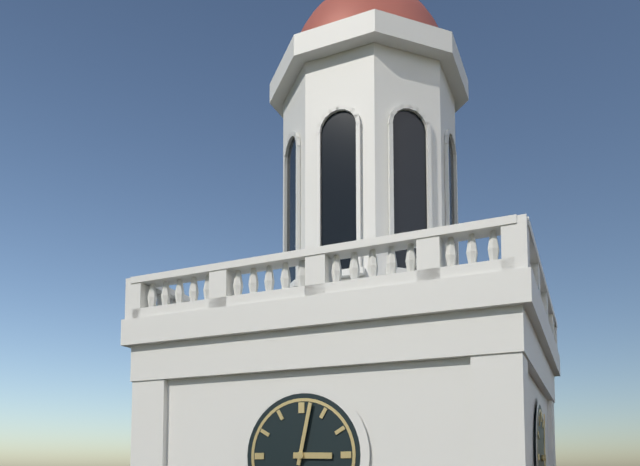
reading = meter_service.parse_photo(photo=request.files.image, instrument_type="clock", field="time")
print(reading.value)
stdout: 3:02
